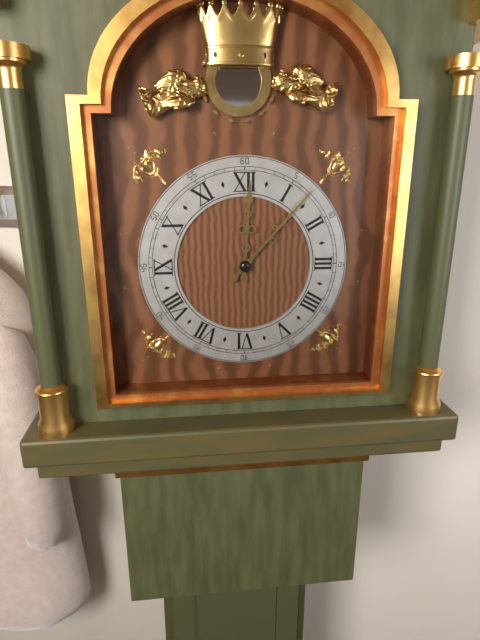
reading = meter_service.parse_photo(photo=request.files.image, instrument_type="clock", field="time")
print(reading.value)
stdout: 12:07
